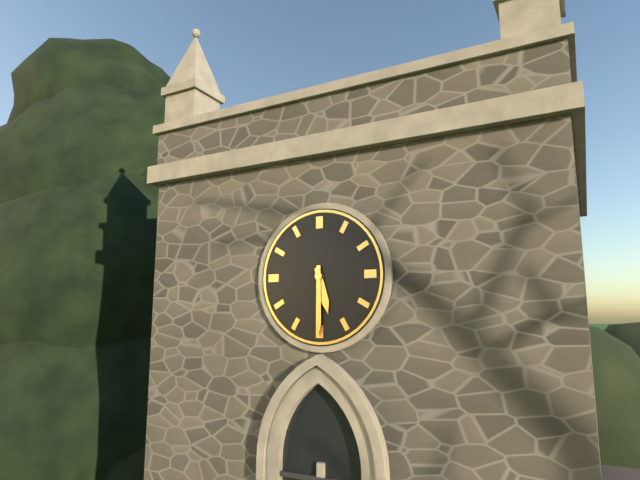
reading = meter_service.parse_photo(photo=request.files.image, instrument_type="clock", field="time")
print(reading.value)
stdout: 5:30
